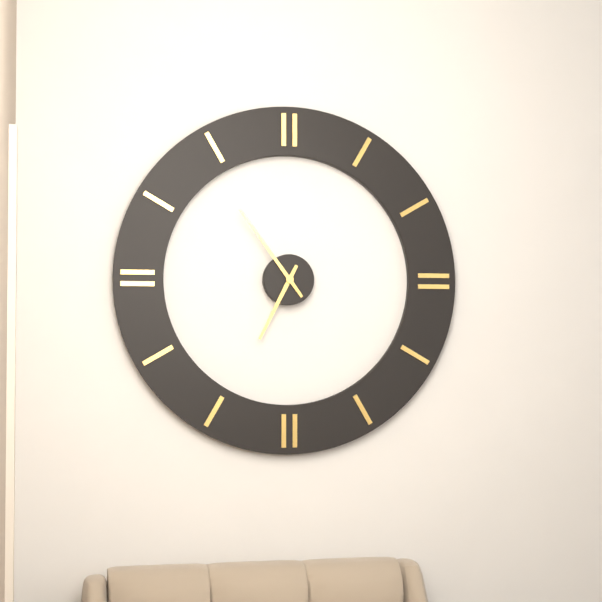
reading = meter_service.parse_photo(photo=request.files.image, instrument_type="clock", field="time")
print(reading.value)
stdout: 6:54
